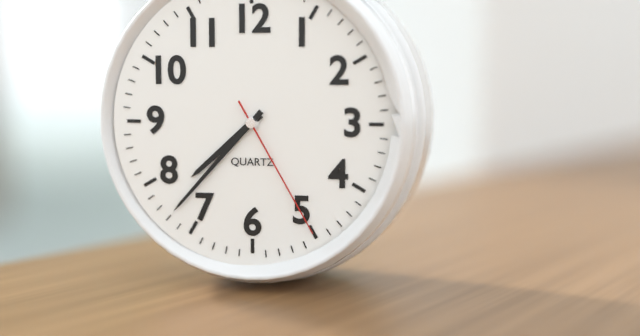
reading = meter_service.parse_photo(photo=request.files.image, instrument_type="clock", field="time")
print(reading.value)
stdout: 7:37:25
